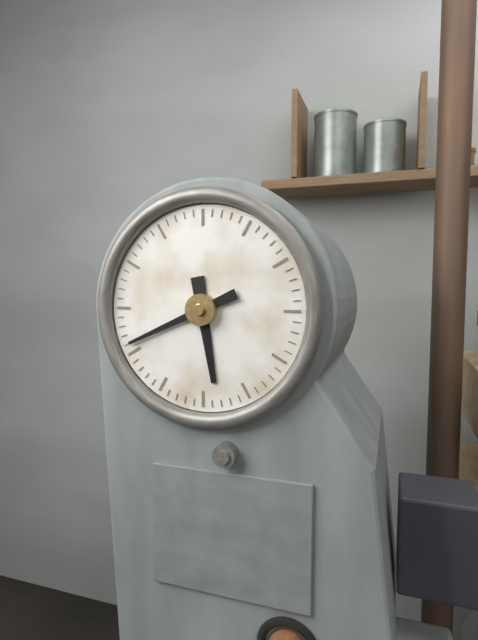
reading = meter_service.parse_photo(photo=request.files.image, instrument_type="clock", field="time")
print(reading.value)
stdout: 5:41
